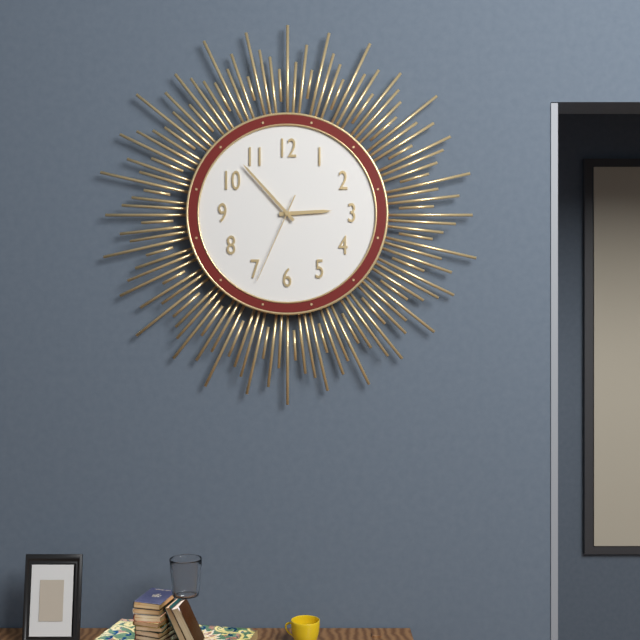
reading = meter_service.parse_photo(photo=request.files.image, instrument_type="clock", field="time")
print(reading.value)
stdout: 2:53:34
